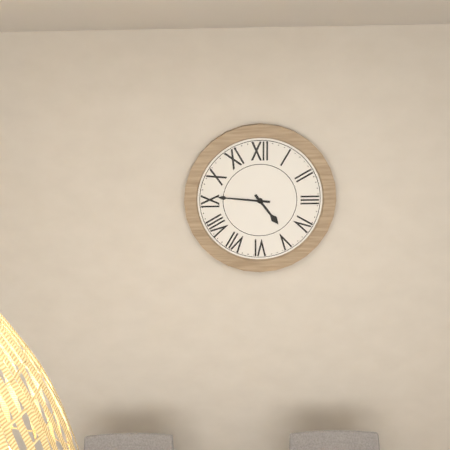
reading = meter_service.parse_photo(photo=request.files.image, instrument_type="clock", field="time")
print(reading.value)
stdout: 4:46
